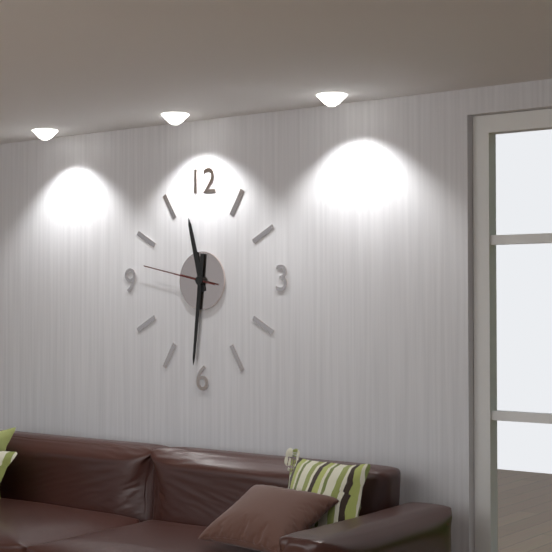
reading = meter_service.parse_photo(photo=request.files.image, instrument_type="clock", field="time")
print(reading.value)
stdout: 11:31:47
